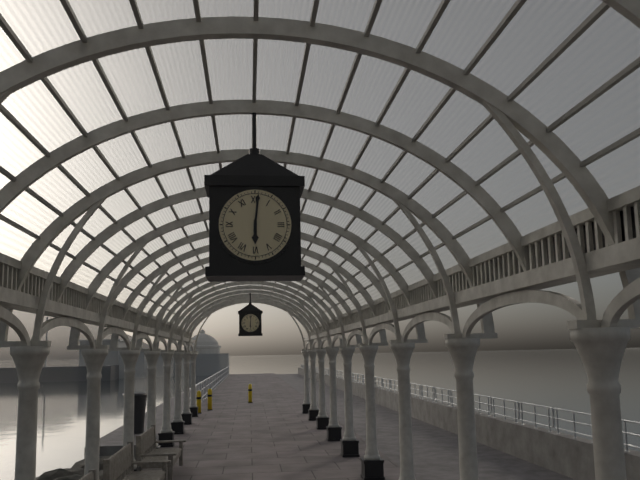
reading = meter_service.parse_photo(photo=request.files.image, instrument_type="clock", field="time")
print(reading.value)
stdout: 6:01
